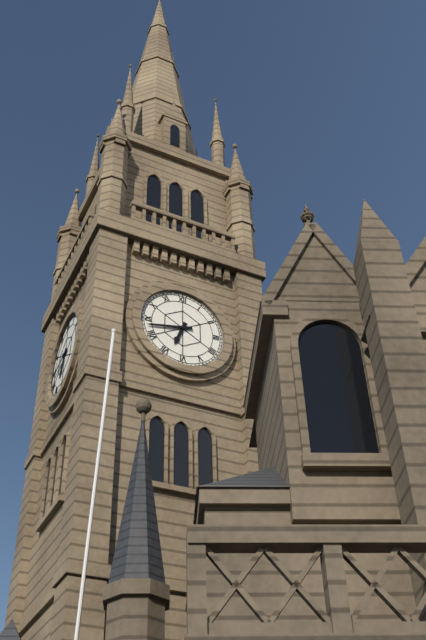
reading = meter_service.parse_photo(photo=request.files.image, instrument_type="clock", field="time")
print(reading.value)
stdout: 6:43
